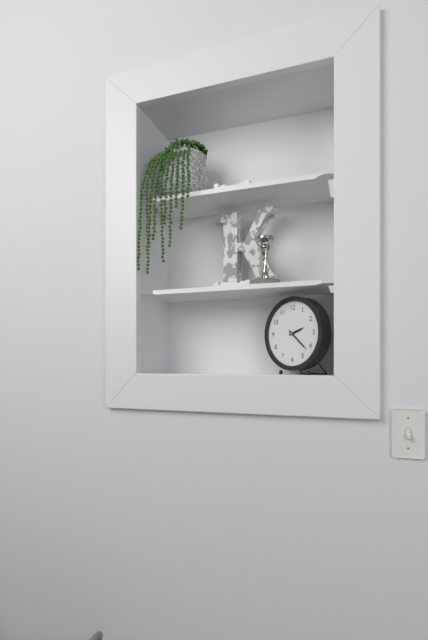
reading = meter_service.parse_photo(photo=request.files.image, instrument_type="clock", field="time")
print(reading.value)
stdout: 2:22
